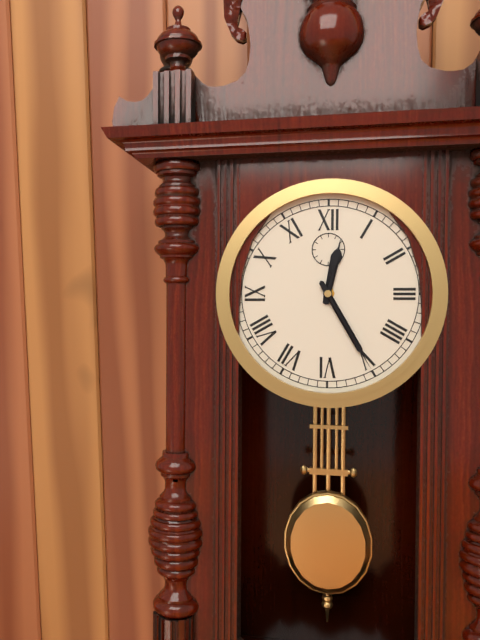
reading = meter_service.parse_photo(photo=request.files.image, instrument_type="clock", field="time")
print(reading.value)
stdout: 12:25
